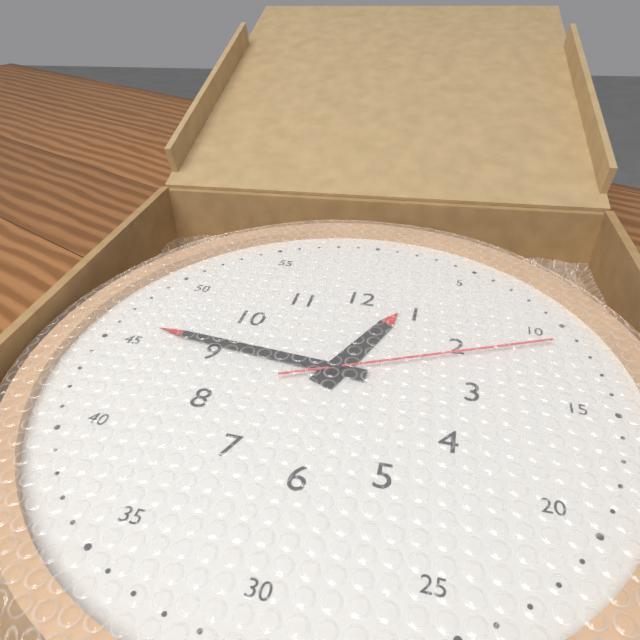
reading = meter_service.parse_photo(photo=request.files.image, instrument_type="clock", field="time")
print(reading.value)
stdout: 12:46:11
